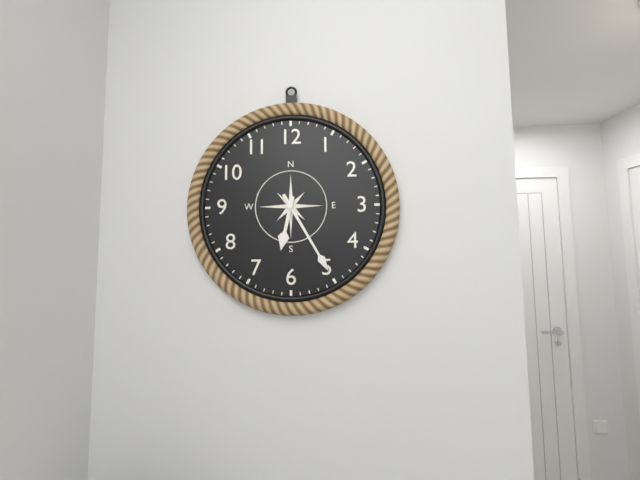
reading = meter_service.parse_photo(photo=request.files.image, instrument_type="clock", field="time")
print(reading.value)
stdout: 6:25
